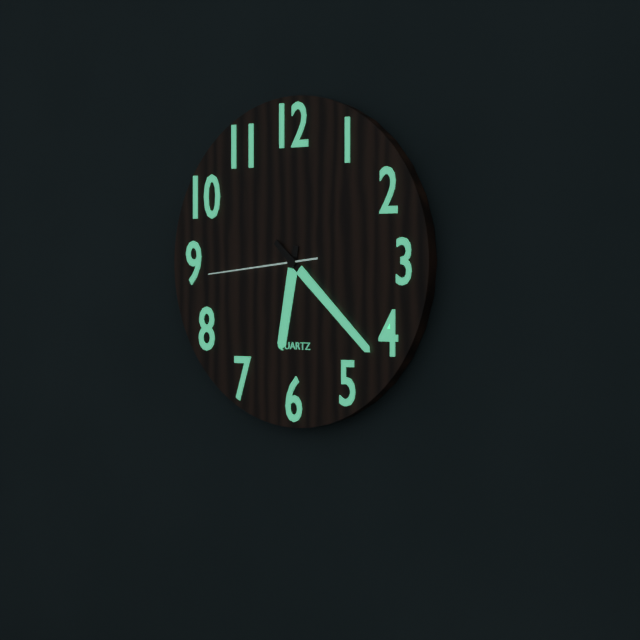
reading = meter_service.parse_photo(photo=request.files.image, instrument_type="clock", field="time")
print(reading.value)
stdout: 6:22:44
